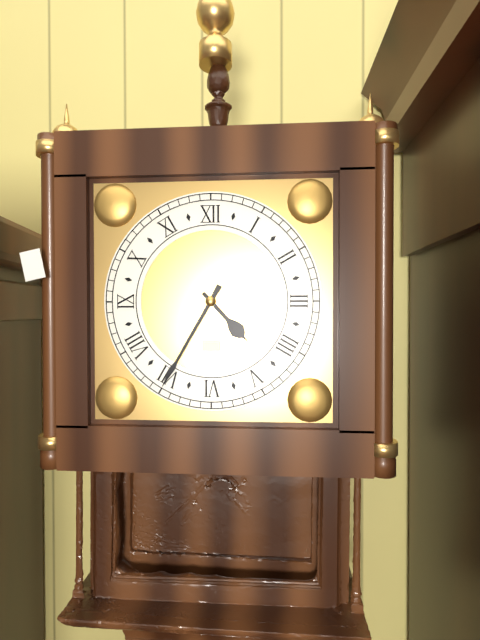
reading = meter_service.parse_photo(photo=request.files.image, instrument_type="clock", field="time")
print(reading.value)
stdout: 4:35
